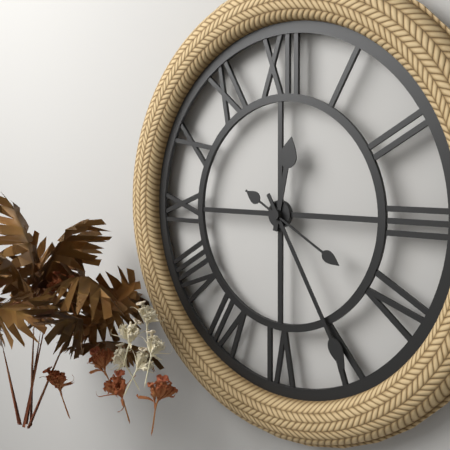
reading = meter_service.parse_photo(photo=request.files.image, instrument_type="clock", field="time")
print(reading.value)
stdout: 12:25:20
